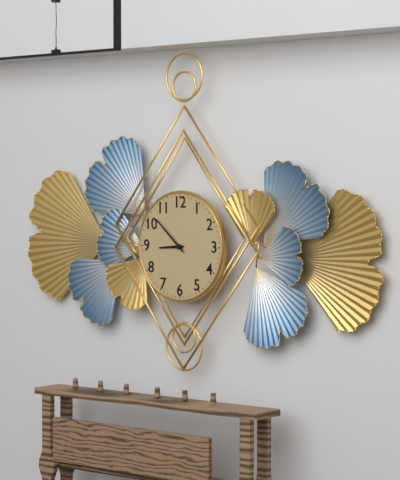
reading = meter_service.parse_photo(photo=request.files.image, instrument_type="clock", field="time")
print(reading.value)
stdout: 8:52
